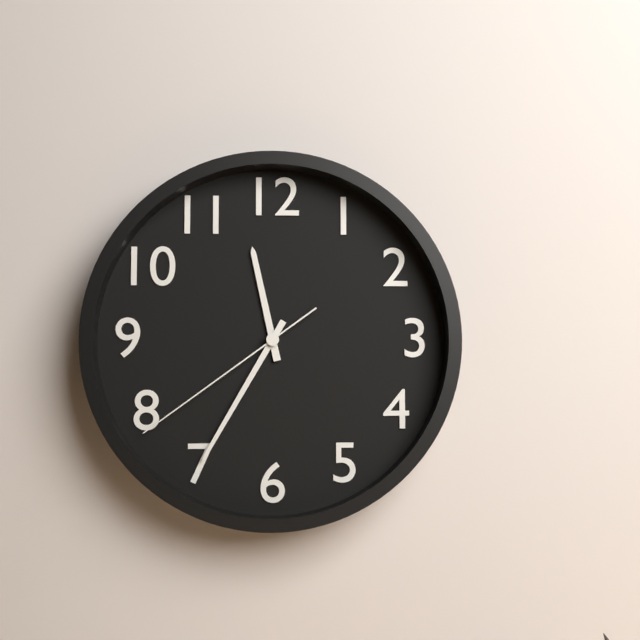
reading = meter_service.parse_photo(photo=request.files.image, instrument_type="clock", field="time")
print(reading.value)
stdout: 11:35:39
